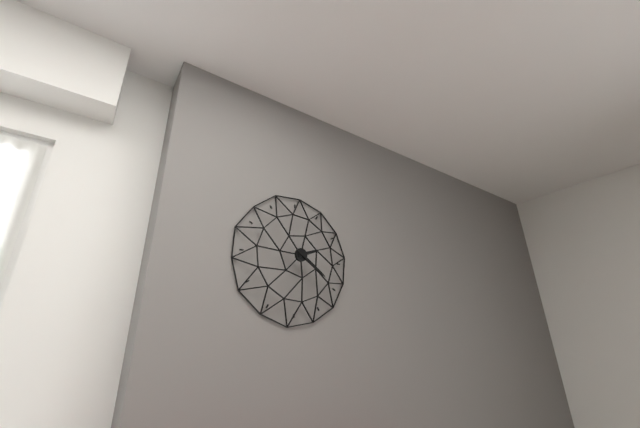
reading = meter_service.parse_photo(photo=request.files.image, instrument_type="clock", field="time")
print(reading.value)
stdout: 2:21
